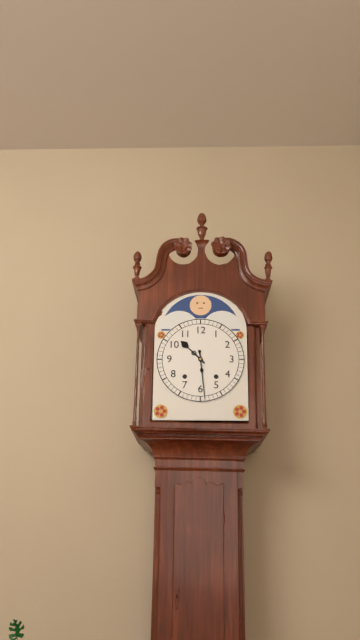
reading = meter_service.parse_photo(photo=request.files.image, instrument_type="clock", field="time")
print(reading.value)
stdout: 10:29
